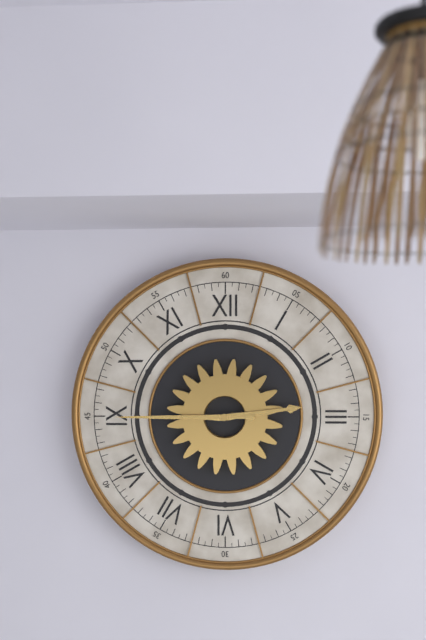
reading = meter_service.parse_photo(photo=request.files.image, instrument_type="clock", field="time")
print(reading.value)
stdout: 2:45
